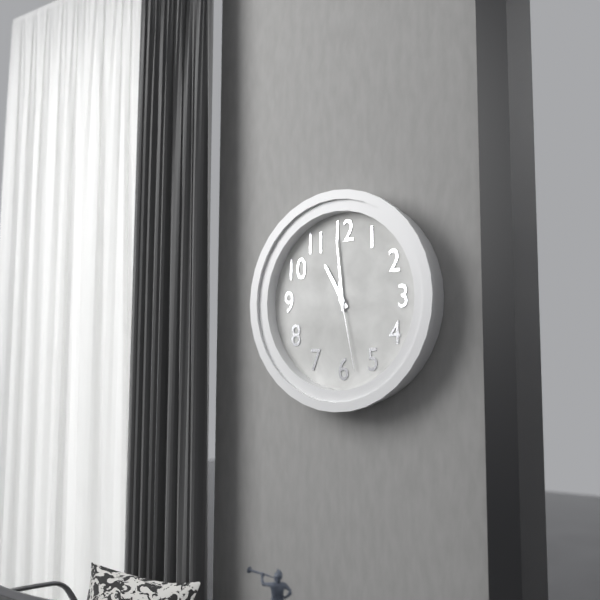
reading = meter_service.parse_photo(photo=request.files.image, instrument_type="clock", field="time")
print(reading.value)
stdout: 10:59:28
